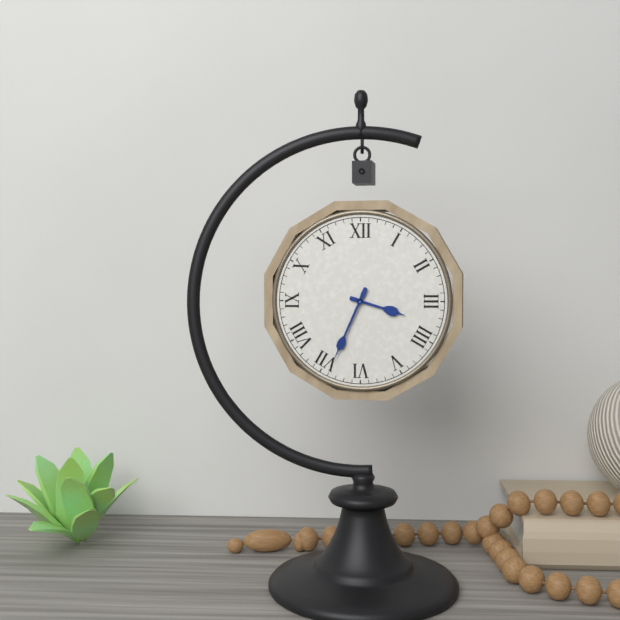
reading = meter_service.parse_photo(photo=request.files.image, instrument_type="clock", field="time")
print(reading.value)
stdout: 3:34
